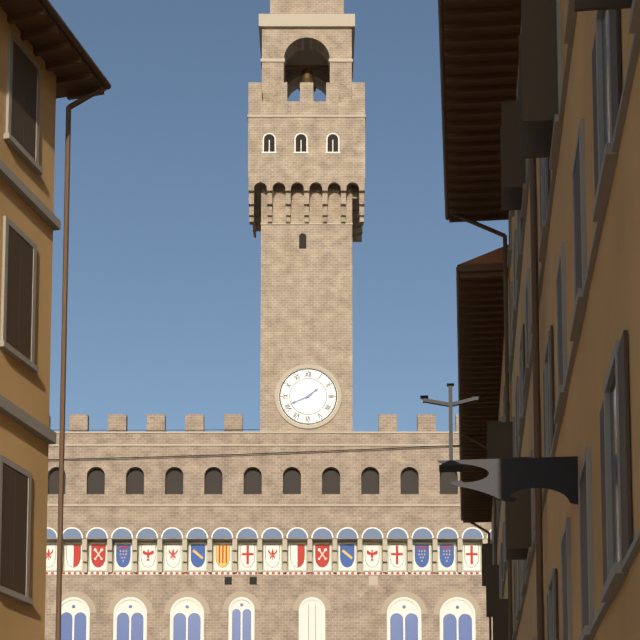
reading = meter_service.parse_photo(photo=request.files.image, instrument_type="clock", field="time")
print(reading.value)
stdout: 1:41
